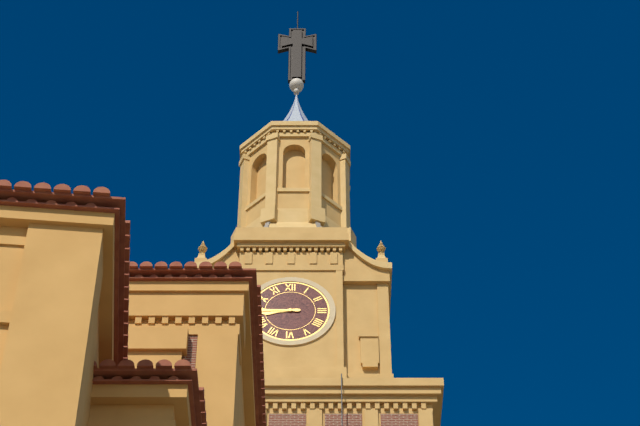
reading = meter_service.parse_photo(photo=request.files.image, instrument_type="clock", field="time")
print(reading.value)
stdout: 8:45
